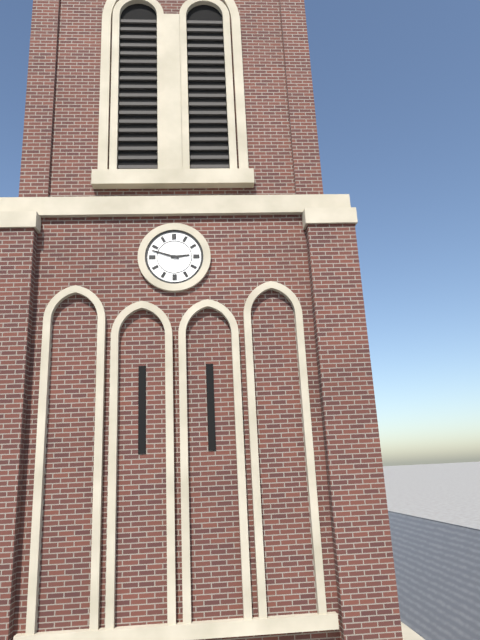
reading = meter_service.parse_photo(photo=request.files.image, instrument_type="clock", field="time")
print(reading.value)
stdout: 2:48
